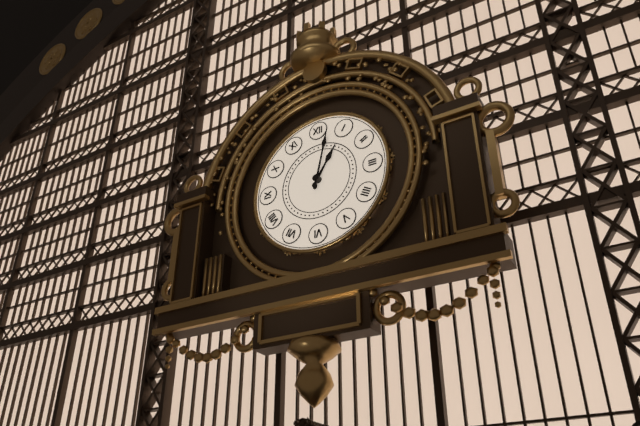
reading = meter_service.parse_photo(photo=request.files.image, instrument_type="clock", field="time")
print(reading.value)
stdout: 1:02
